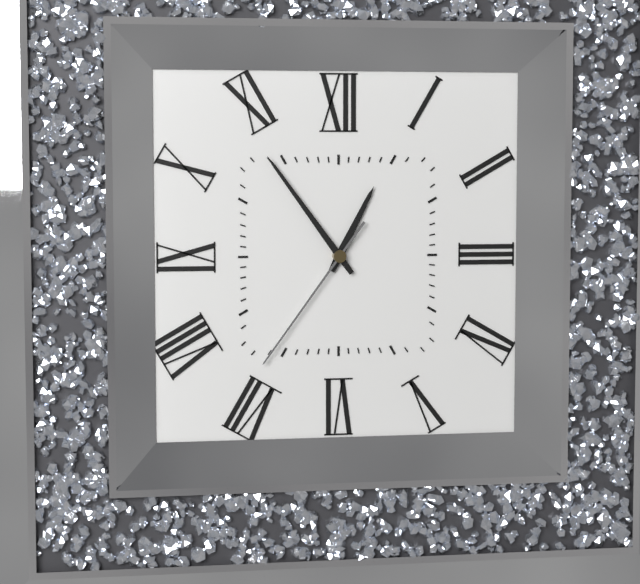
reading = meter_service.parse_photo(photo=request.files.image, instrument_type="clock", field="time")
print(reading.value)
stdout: 12:54:36
